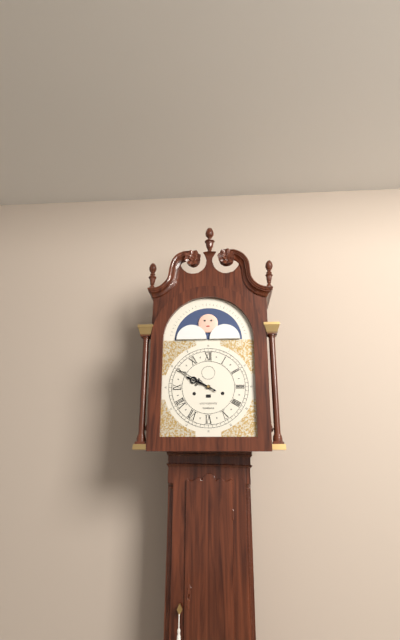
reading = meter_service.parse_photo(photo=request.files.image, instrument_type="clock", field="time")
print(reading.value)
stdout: 9:50
